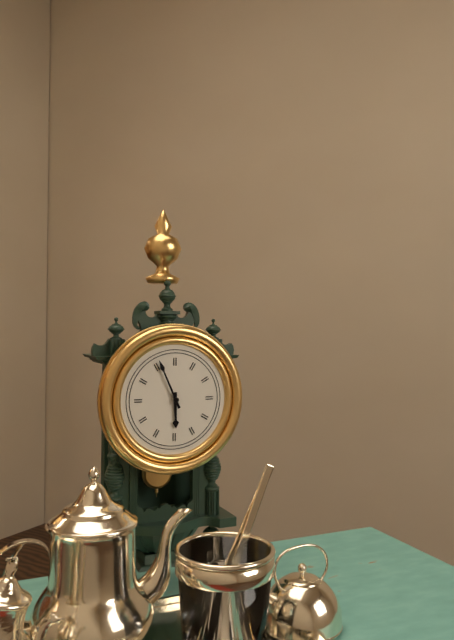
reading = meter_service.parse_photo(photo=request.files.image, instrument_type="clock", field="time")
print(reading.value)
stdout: 5:56
